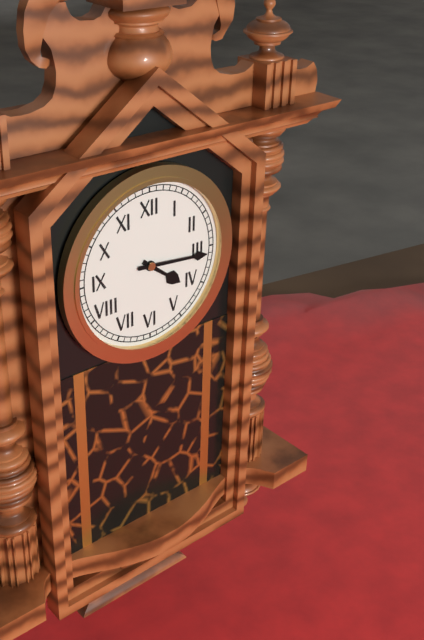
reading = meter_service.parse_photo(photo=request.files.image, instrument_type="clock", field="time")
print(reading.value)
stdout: 4:16
